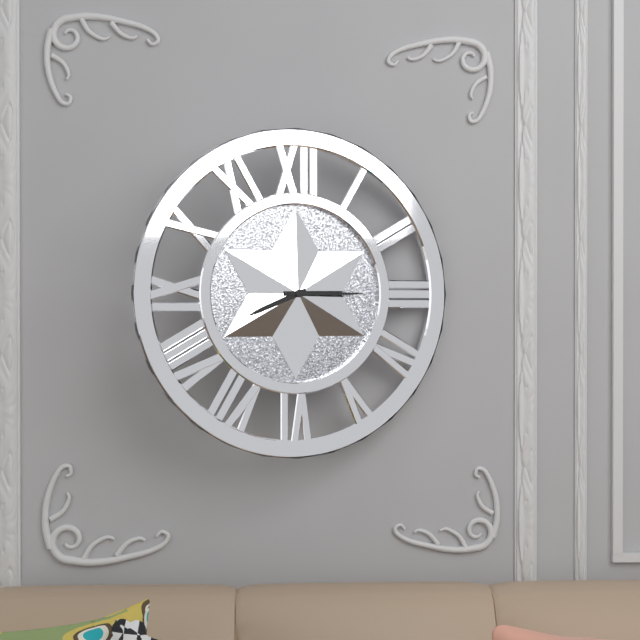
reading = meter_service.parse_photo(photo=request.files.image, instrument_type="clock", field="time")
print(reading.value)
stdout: 8:15
